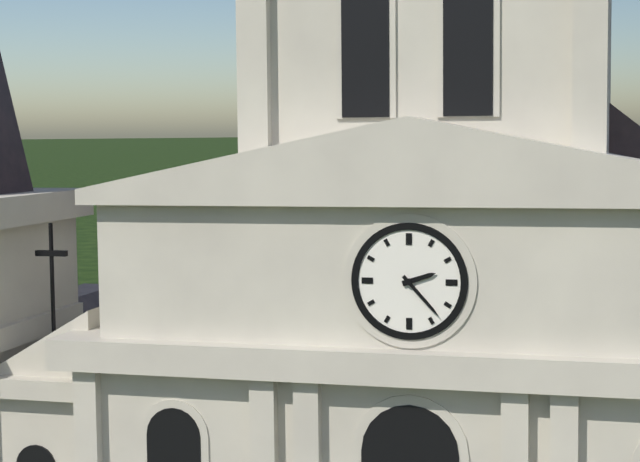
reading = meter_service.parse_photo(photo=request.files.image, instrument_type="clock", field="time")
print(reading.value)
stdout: 2:23
